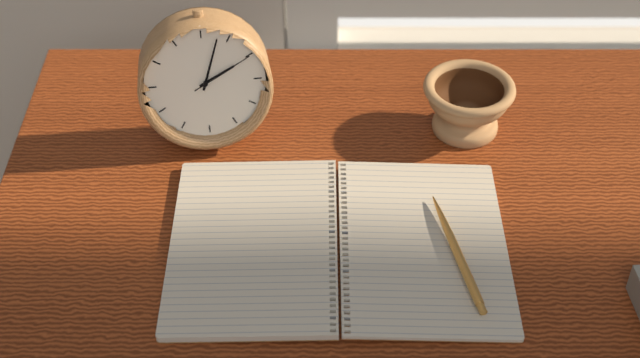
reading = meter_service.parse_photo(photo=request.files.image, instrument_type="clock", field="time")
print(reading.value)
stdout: 2:03:10
